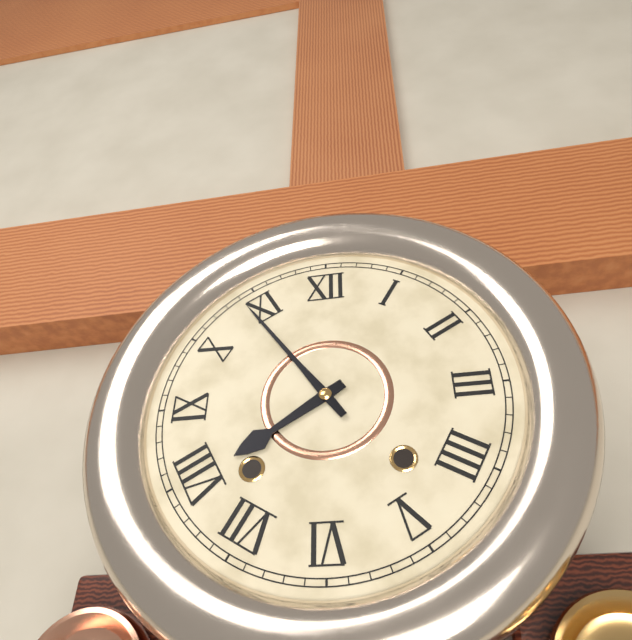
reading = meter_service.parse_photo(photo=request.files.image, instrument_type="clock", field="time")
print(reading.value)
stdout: 7:54
